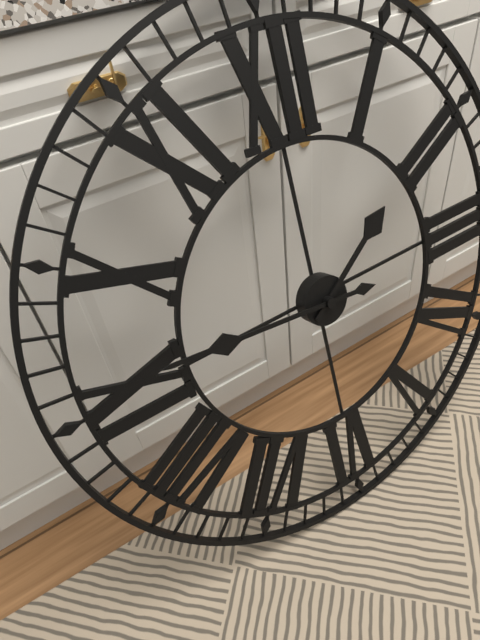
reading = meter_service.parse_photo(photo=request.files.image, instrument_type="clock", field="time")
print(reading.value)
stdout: 1:46
